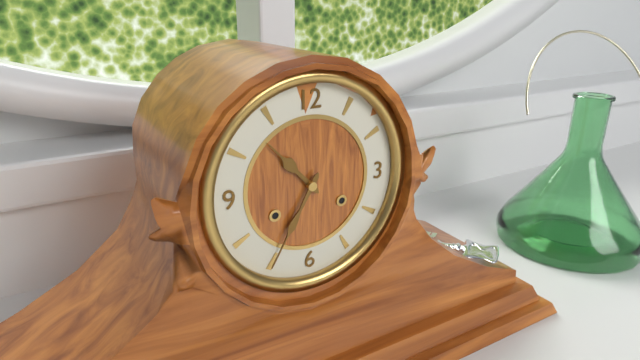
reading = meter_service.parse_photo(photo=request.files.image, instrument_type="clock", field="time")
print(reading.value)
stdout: 10:35
